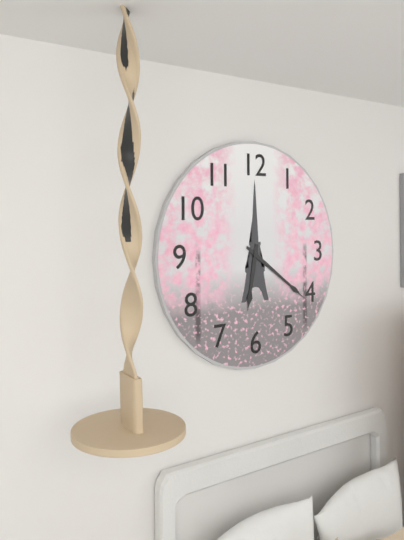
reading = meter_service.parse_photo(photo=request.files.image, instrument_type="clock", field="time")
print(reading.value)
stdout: 6:21
